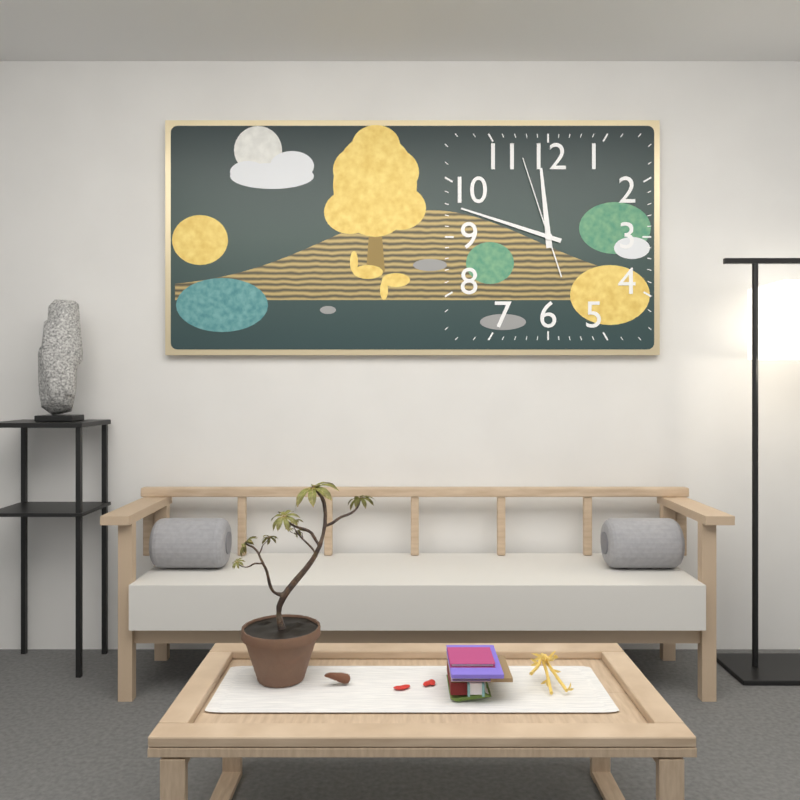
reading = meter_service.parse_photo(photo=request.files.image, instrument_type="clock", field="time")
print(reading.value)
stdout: 11:48:57
